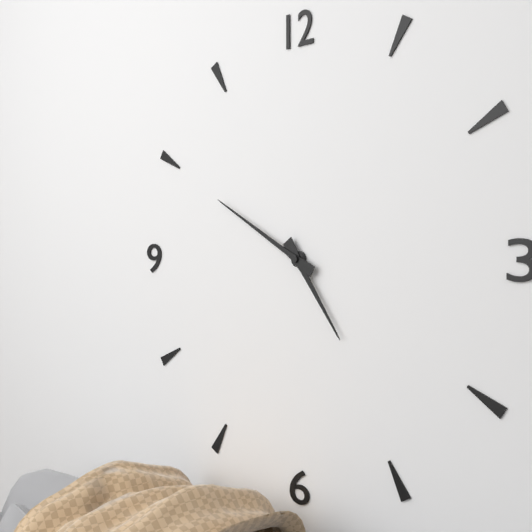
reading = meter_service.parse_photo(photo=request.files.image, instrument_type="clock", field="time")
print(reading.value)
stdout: 4:50
